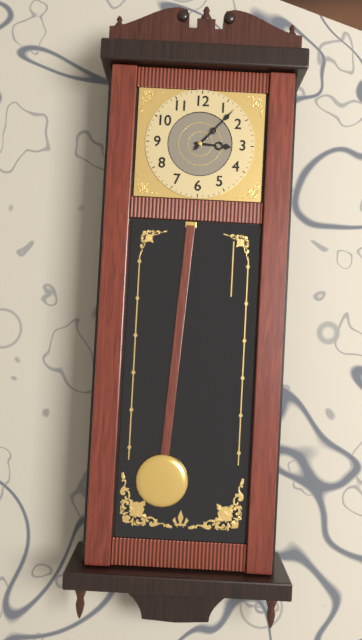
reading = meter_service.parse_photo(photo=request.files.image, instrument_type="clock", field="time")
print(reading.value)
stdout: 3:07
